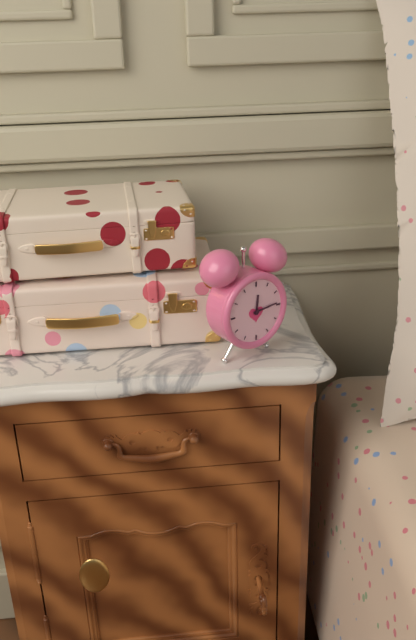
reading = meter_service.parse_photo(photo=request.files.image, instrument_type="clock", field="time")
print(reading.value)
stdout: 12:14
